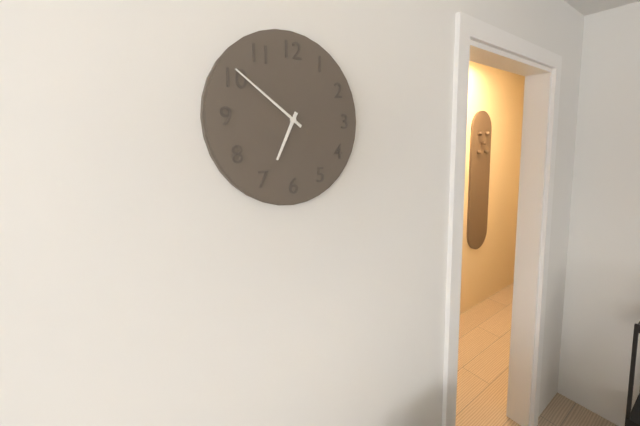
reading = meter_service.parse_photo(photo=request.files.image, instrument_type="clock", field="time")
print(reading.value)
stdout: 6:51
